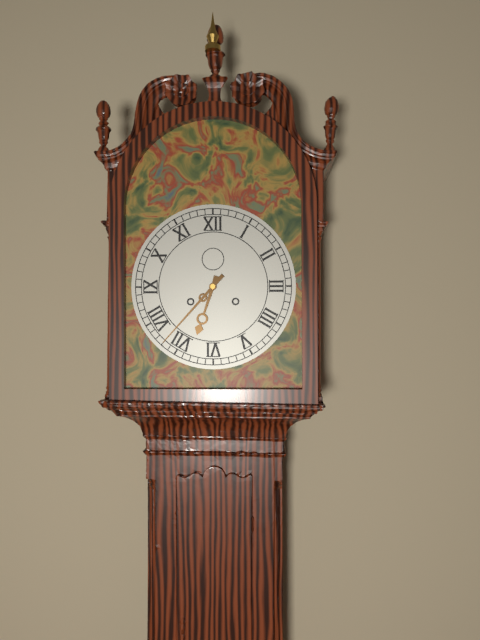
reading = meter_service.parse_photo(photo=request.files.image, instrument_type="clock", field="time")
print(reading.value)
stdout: 6:37
